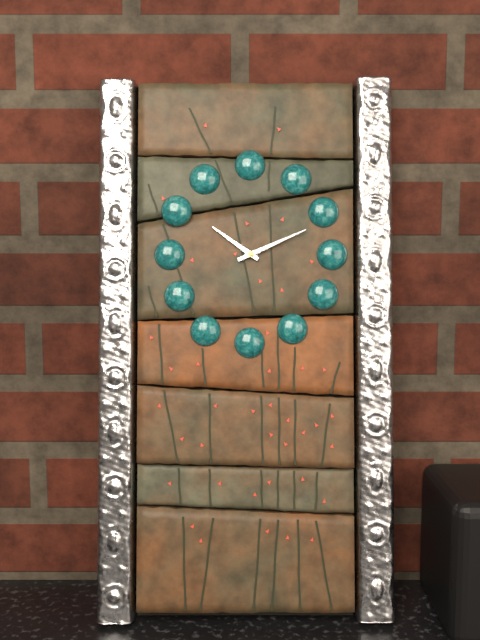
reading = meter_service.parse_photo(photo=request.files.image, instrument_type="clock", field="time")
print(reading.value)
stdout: 10:11
